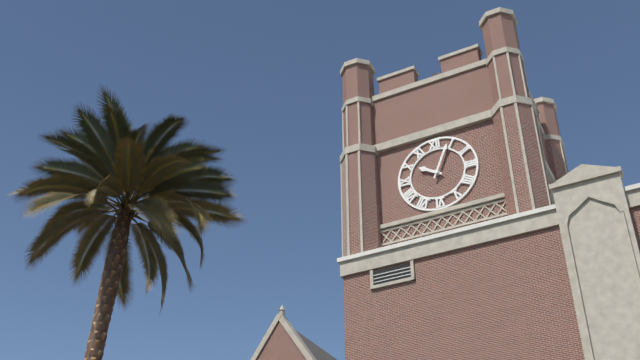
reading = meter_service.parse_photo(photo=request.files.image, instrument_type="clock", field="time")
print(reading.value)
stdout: 10:04
